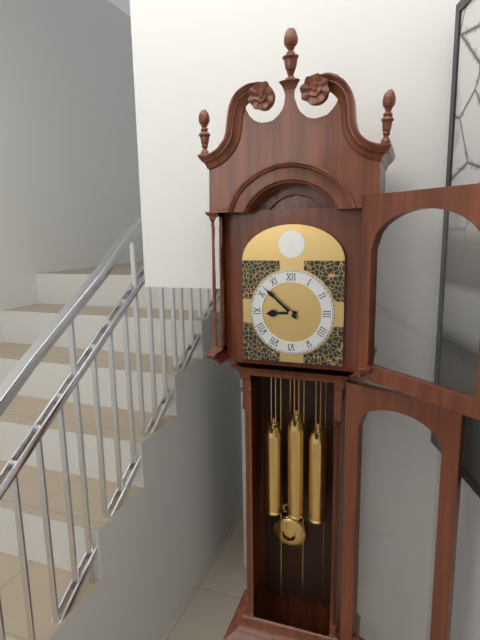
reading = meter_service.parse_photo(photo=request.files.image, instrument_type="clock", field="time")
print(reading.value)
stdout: 8:52
